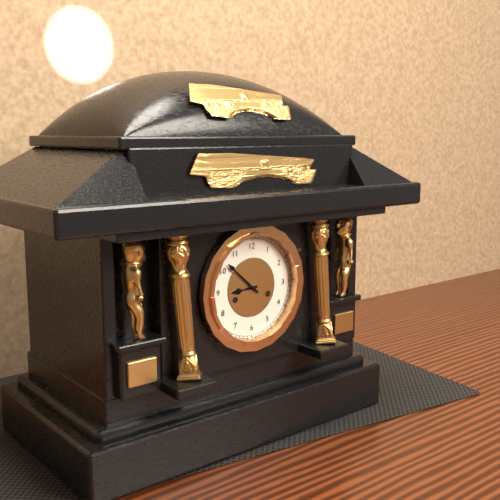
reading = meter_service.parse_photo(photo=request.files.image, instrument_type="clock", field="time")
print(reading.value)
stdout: 8:52
